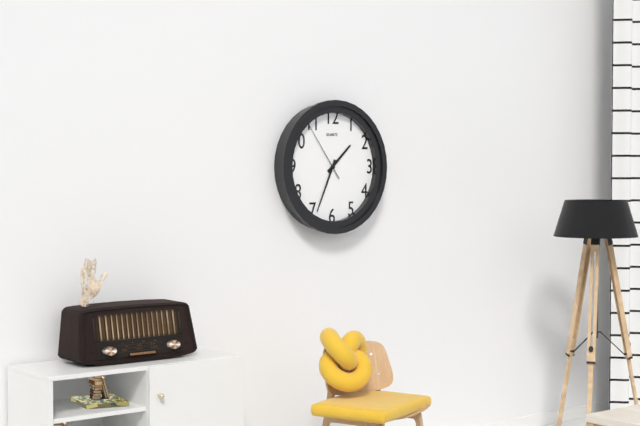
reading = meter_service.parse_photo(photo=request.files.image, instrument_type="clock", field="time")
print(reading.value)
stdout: 1:34:54
